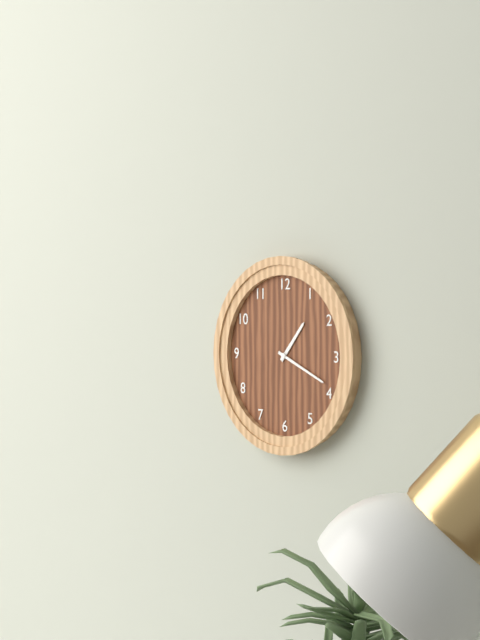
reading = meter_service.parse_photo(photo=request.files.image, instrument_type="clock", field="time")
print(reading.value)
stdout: 1:19
